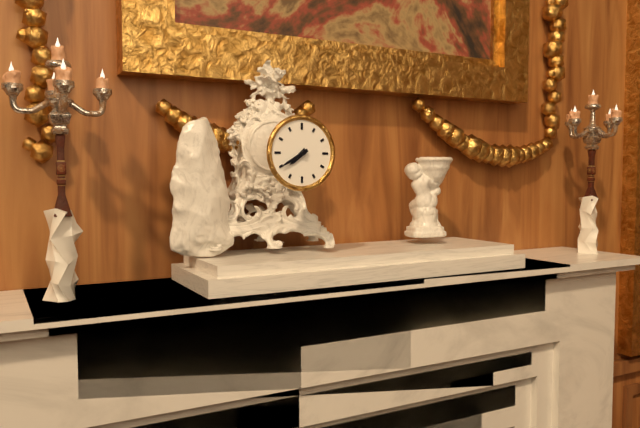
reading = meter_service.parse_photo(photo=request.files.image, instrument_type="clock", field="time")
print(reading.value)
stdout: 7:40
